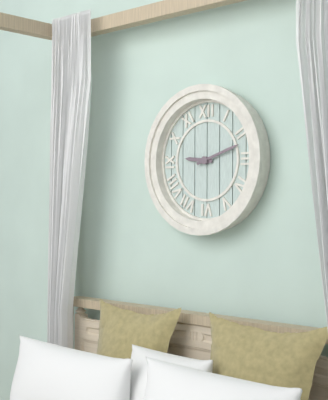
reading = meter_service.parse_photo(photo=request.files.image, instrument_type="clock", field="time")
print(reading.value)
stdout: 9:12
